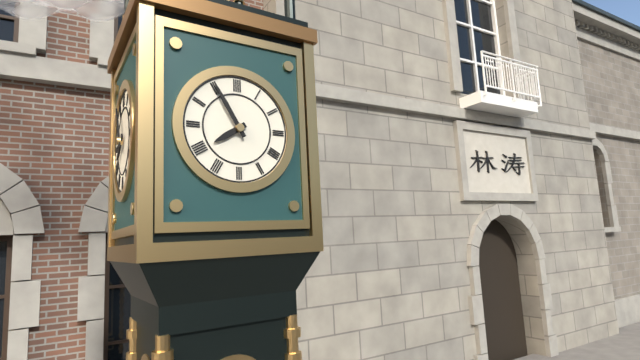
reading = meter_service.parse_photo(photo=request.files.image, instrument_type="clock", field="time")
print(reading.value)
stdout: 7:55
